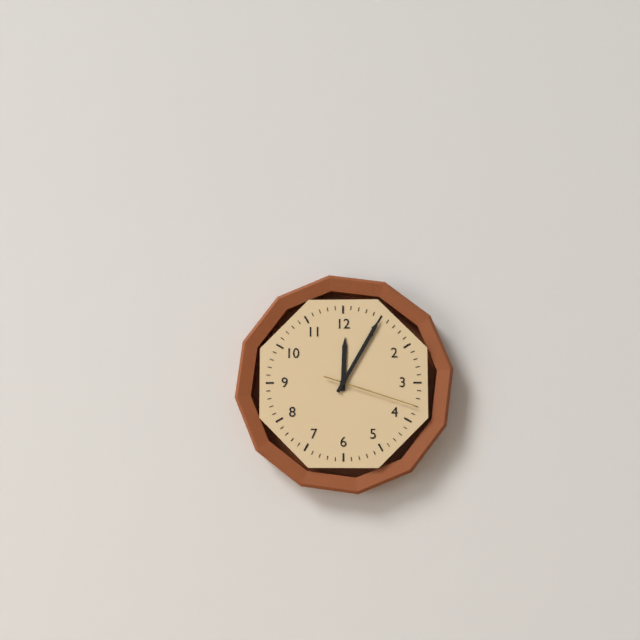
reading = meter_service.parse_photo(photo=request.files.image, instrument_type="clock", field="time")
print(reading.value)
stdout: 12:05:18
